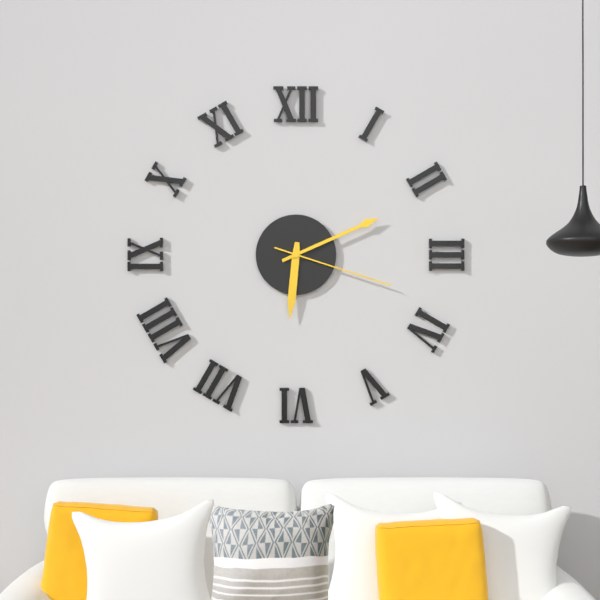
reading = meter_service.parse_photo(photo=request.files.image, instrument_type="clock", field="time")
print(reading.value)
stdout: 6:11:18
